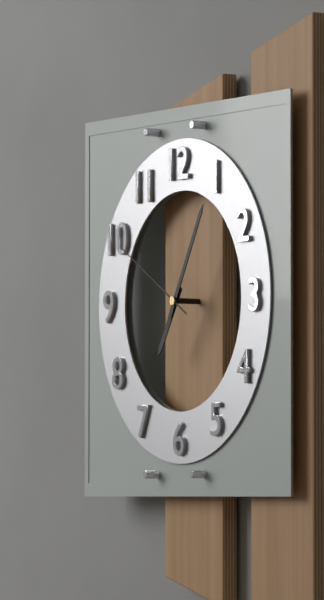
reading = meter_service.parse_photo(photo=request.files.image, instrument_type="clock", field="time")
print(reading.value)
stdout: 7:05:50
